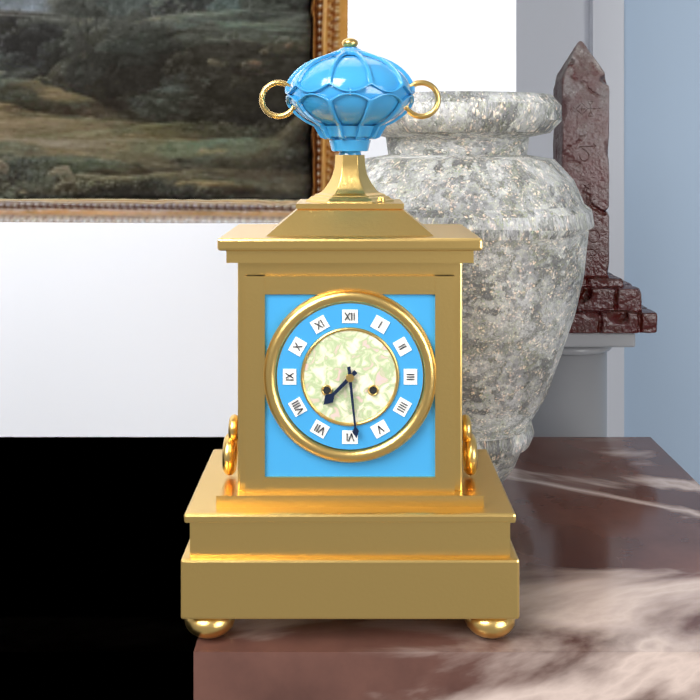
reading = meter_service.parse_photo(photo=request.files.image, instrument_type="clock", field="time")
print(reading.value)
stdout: 7:29
